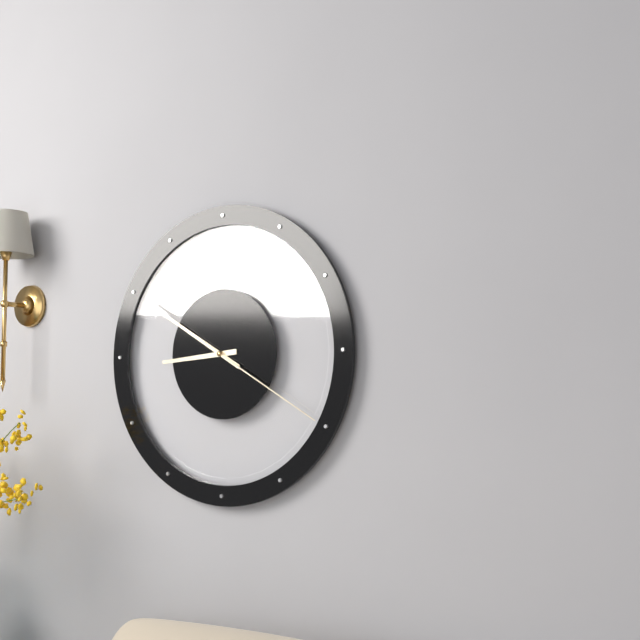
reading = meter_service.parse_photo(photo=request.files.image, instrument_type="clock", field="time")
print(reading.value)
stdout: 8:50:20
